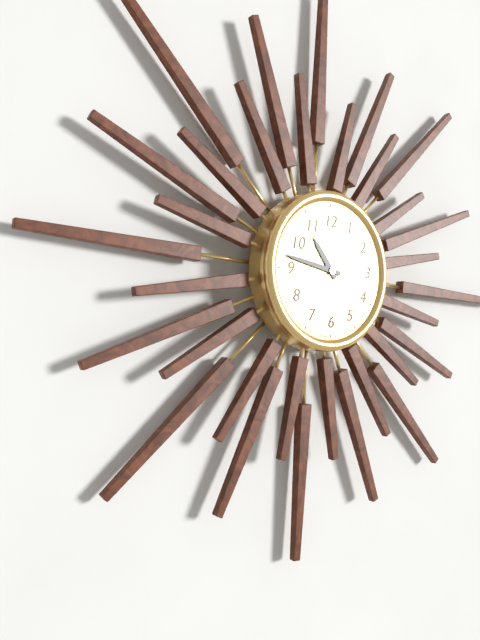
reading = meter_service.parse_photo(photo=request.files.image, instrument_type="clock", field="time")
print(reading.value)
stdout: 10:47
